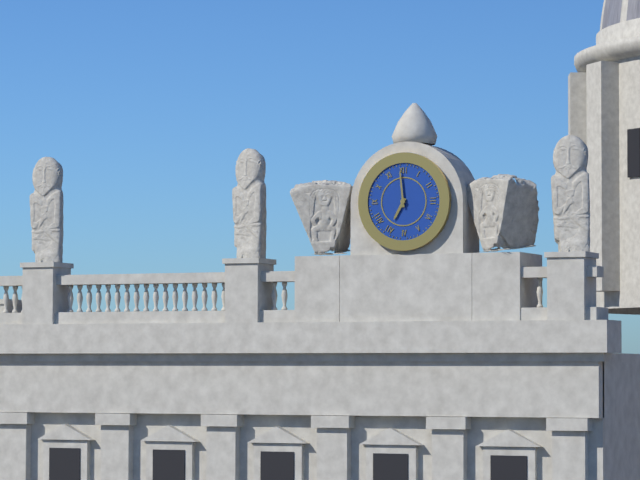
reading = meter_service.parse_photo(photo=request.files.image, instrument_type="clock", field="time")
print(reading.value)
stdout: 6:59
